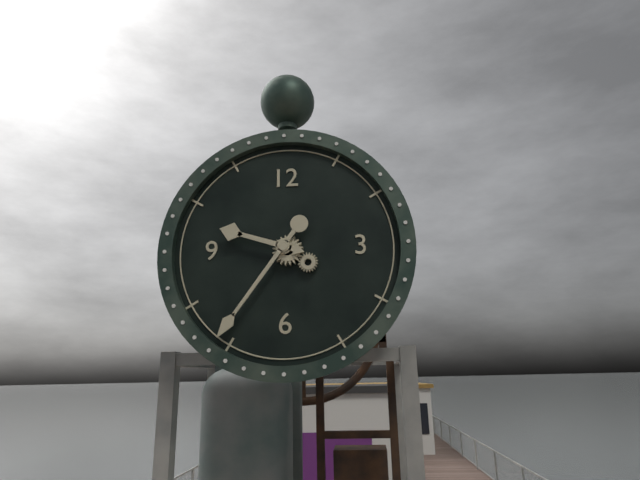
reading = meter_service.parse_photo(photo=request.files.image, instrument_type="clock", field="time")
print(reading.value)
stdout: 9:36
